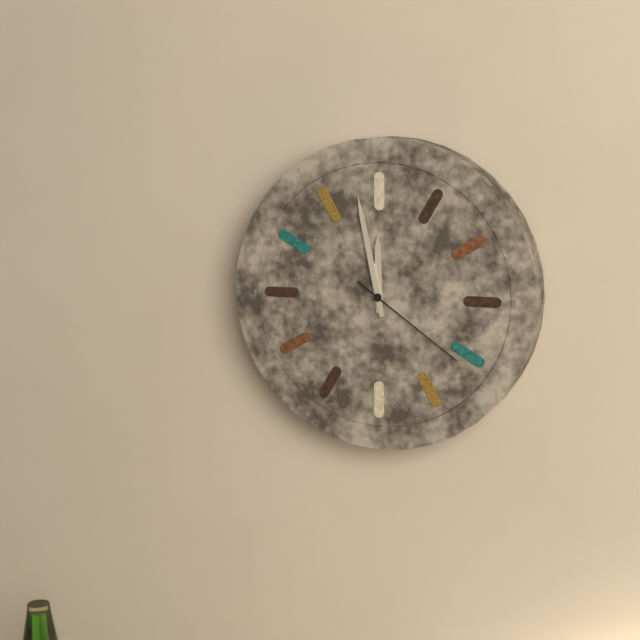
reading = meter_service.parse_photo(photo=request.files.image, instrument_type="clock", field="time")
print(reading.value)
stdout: 11:58:21
